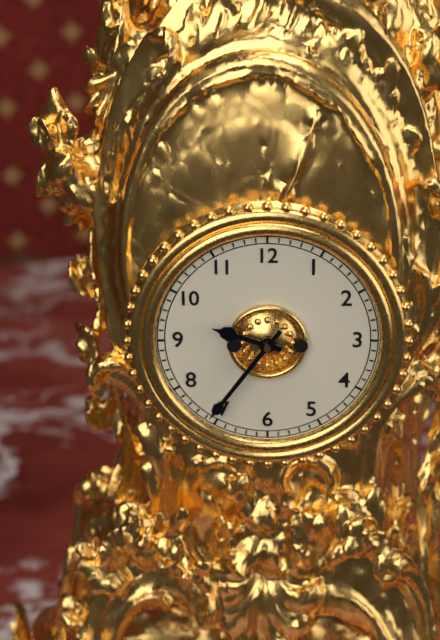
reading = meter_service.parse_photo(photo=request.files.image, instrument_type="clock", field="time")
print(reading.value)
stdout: 9:36
